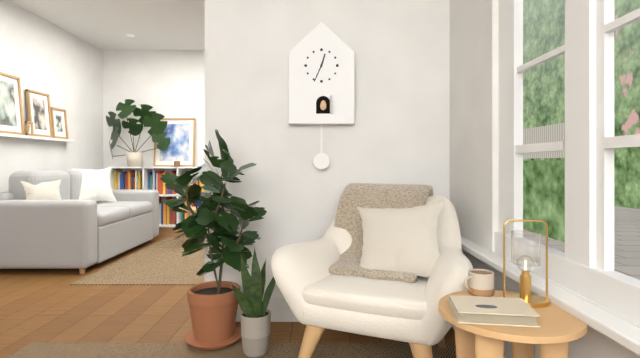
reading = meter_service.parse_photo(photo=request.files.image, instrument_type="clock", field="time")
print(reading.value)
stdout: 12:34
